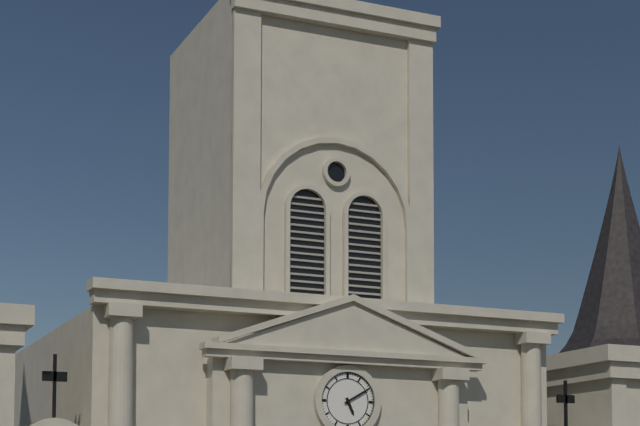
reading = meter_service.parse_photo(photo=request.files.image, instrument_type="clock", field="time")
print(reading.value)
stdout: 5:10
